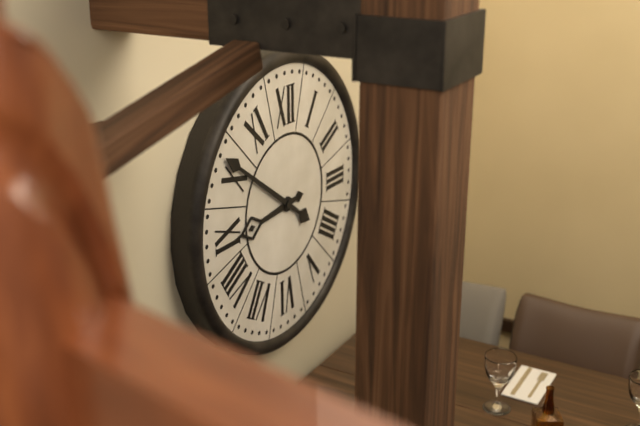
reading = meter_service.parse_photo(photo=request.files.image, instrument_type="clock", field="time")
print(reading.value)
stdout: 8:51
